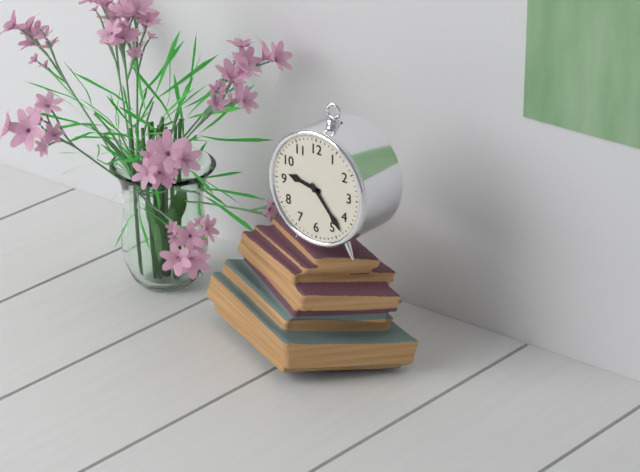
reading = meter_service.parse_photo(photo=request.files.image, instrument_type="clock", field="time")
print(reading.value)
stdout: 9:23
